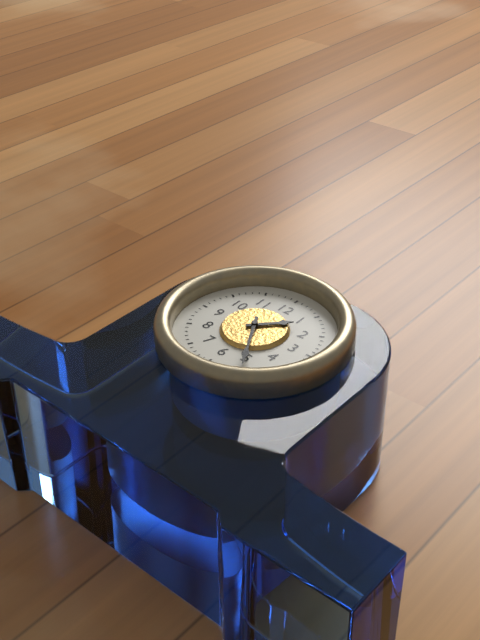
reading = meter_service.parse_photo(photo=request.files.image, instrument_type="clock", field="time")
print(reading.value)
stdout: 1:25
